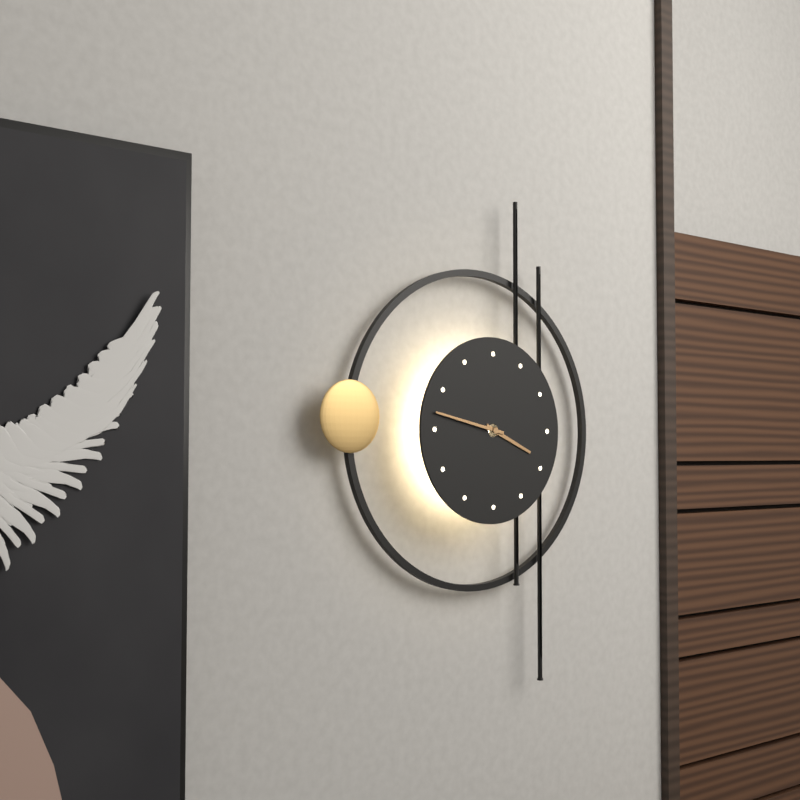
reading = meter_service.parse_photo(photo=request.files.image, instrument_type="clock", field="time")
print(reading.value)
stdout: 3:47
